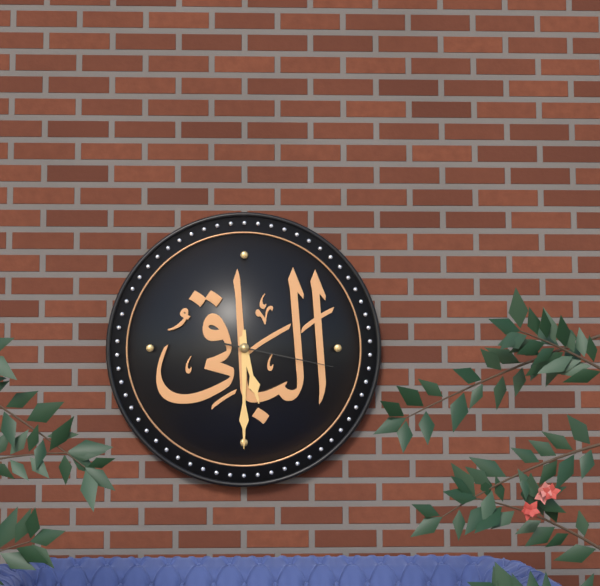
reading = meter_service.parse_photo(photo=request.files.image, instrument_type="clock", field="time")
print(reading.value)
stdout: 5:30:17
